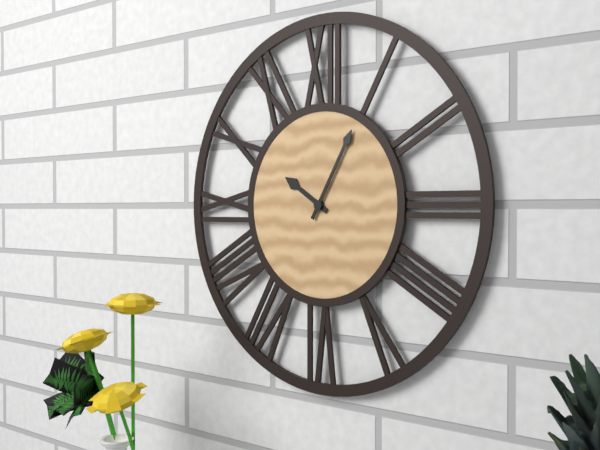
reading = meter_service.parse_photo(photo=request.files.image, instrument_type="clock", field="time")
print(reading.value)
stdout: 10:05
